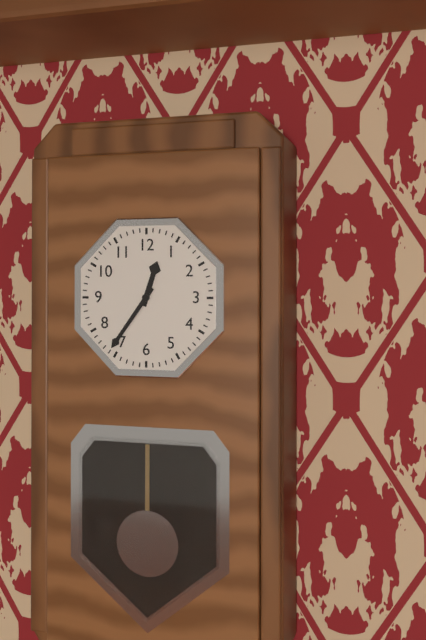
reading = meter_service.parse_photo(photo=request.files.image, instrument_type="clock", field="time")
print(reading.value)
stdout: 12:36
